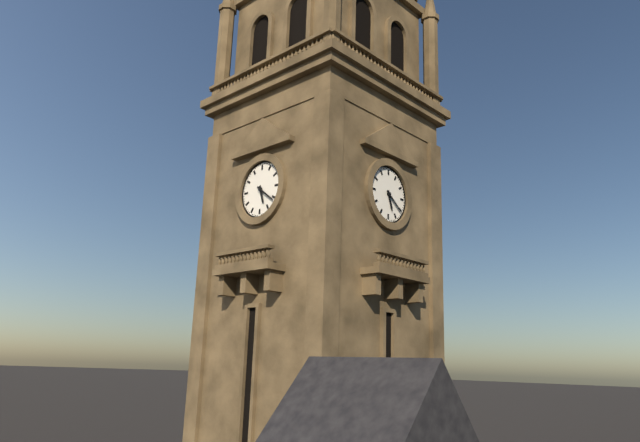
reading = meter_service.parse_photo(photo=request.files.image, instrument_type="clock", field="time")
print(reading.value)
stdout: 5:21
